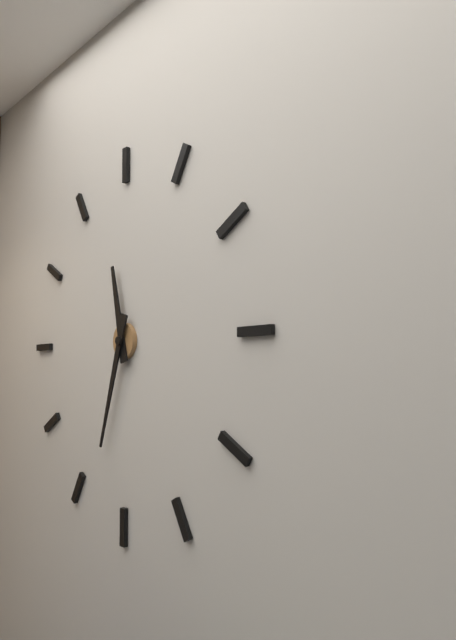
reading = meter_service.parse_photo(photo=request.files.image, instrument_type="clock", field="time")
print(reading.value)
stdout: 11:33
